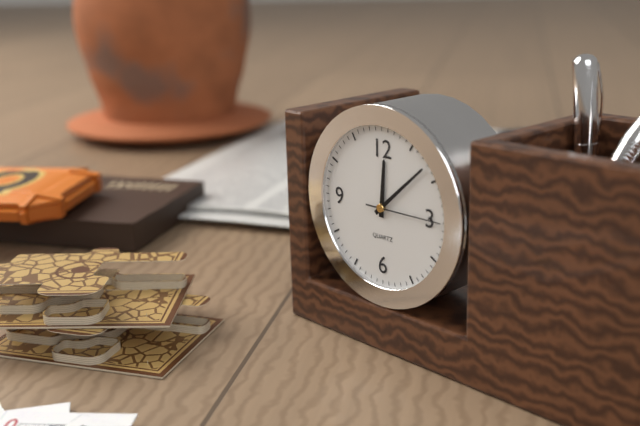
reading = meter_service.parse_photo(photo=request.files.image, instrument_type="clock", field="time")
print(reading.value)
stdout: 12:08
